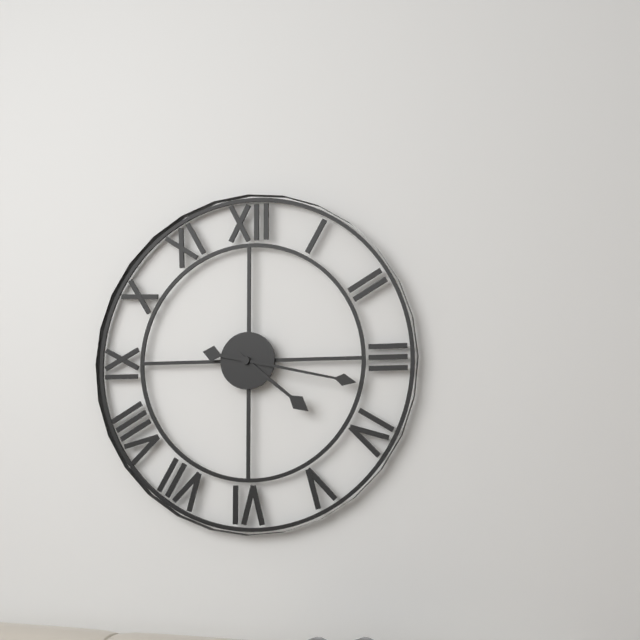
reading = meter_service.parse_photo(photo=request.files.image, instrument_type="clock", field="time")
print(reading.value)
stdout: 4:17
